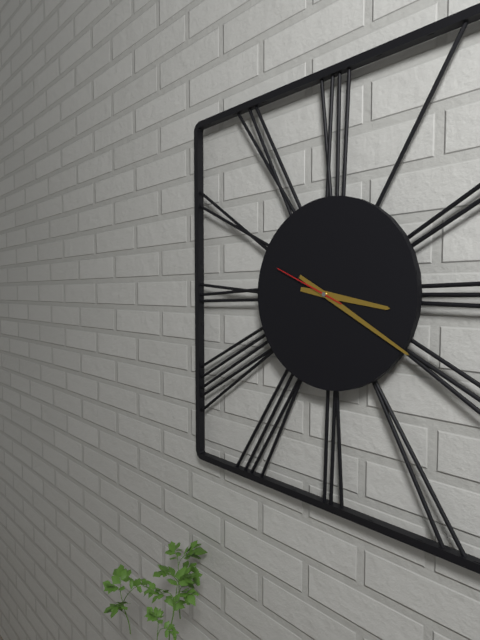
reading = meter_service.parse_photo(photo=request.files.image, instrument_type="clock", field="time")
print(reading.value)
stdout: 3:20:49
